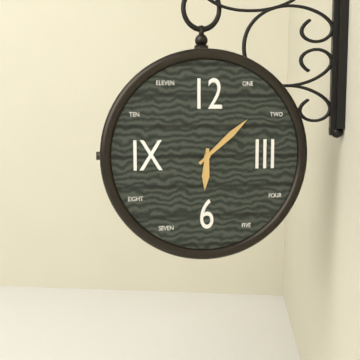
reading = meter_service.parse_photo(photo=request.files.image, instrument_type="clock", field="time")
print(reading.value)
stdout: 6:08
